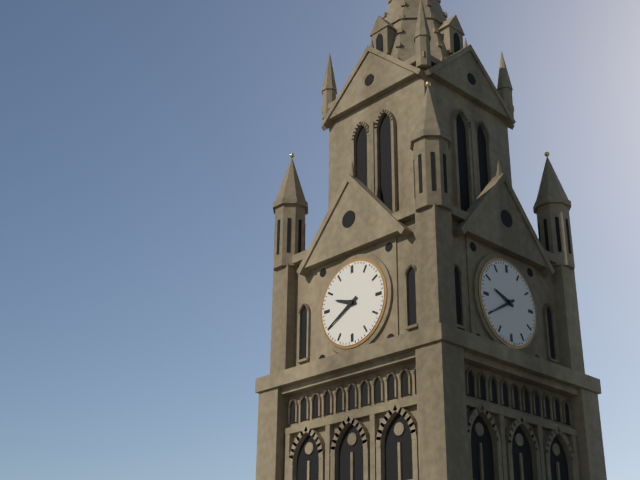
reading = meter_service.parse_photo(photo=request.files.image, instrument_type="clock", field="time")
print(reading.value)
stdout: 9:40
